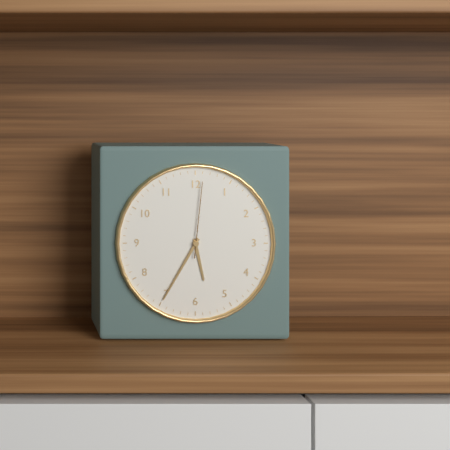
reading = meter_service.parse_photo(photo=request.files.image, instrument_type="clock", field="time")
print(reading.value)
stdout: 5:35:01
